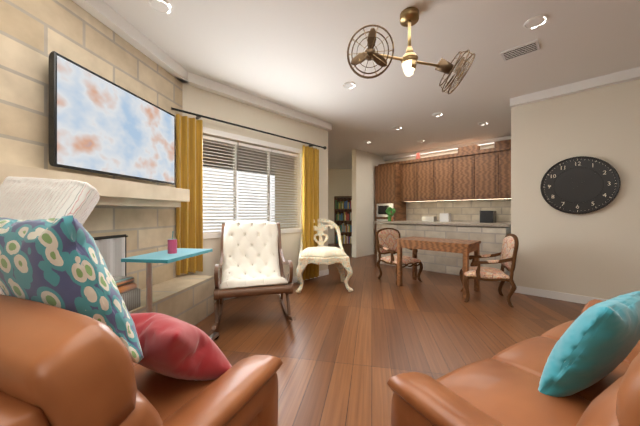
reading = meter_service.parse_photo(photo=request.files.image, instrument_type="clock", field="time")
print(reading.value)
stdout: 11:08
